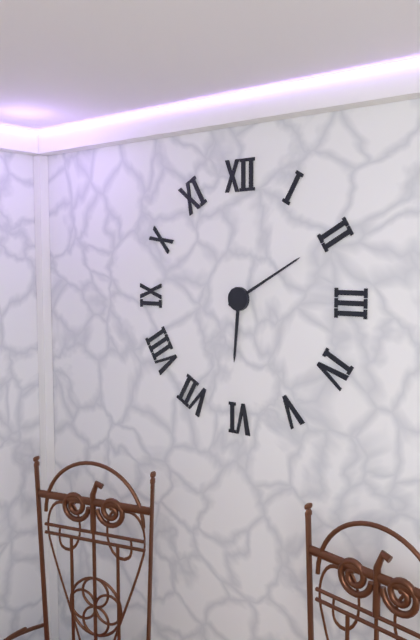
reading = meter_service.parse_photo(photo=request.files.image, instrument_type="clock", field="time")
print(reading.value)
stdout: 6:10
